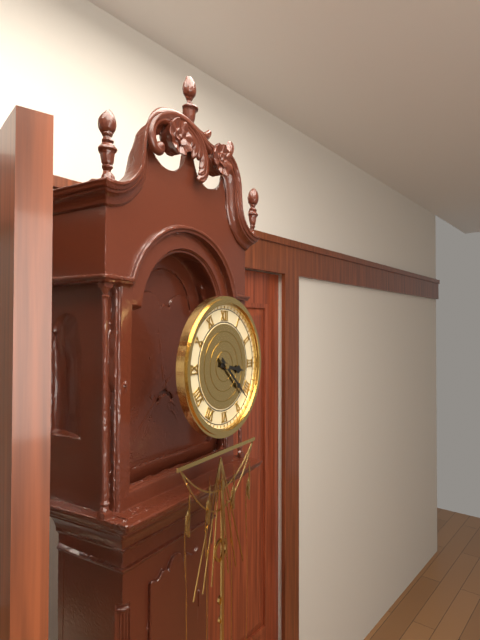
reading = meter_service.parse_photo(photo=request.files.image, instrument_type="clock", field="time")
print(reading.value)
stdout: 3:22
